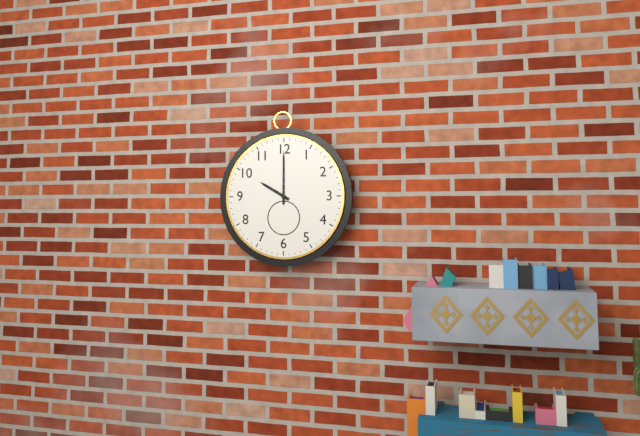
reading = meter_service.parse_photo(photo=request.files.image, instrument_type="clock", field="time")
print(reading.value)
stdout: 10:00
